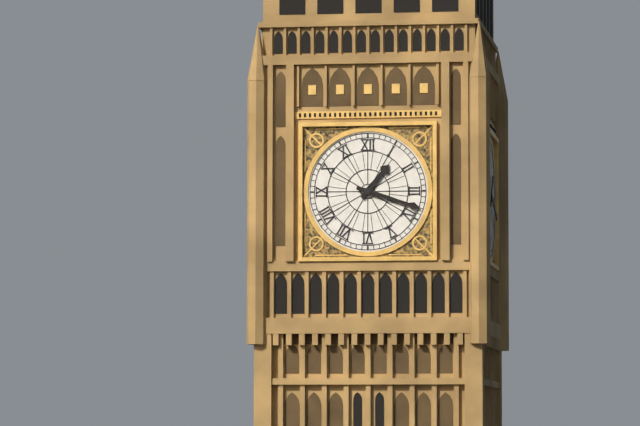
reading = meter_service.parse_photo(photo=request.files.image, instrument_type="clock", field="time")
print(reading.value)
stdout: 1:18
